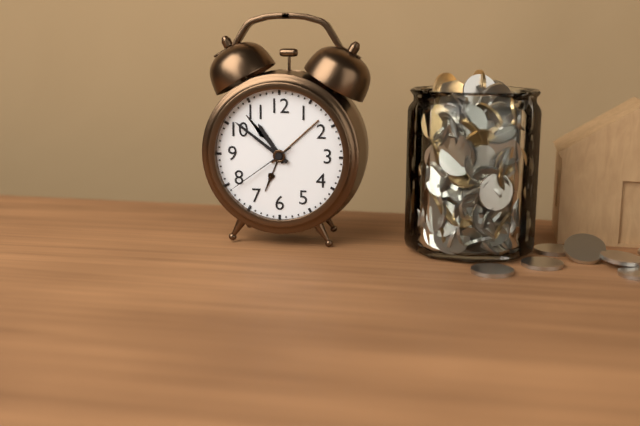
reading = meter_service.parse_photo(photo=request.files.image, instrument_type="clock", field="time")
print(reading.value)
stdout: 10:51:39
